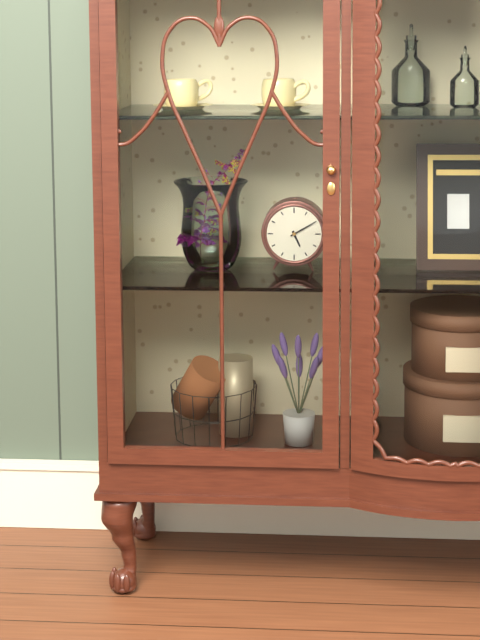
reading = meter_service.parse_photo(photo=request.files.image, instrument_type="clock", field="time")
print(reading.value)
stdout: 5:10
